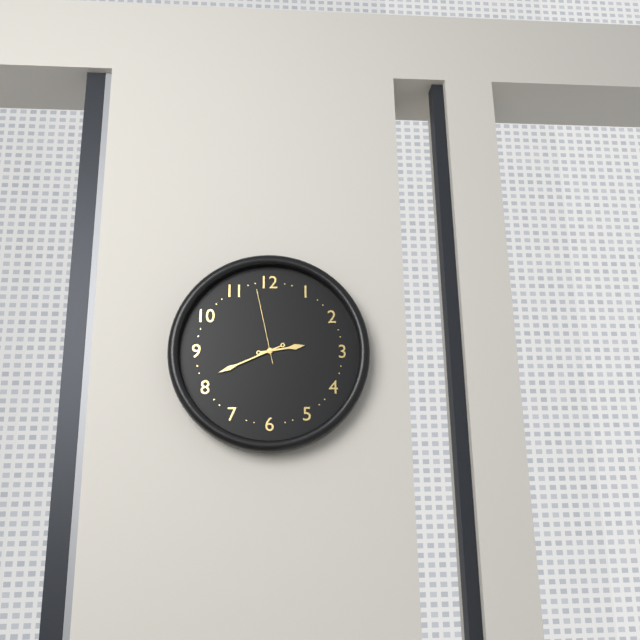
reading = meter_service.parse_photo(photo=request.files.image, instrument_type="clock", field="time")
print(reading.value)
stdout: 2:41:58
